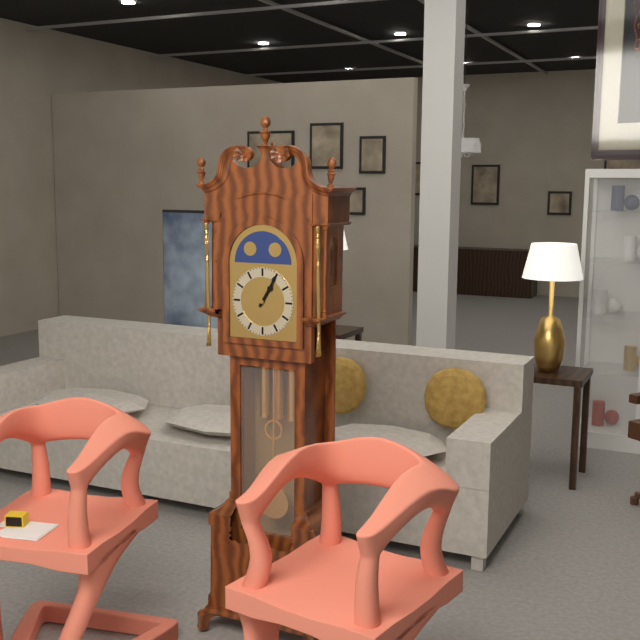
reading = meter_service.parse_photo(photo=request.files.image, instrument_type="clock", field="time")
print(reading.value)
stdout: 1:05
